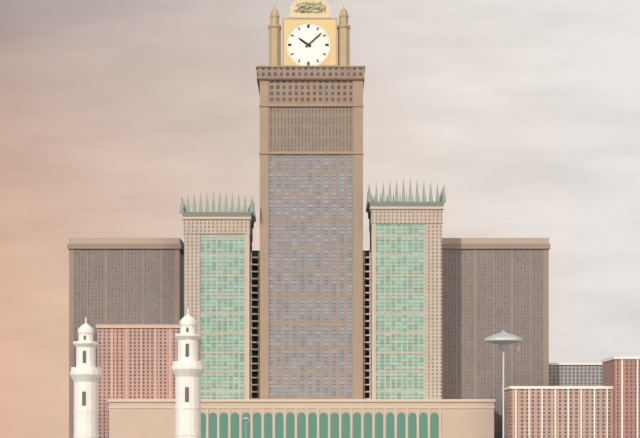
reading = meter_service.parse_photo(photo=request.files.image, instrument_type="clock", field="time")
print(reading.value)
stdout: 10:08
